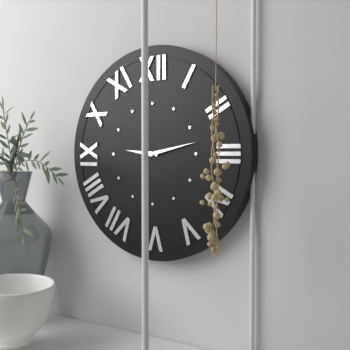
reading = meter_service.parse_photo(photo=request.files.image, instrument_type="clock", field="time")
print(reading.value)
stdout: 9:13
